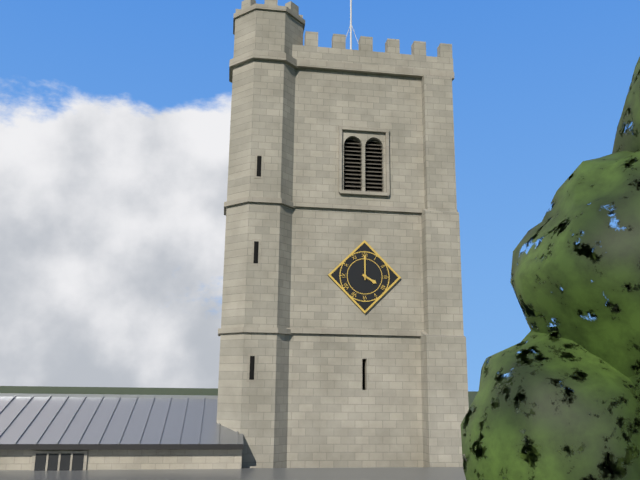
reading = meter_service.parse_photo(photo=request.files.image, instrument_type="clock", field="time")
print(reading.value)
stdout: 4:00
